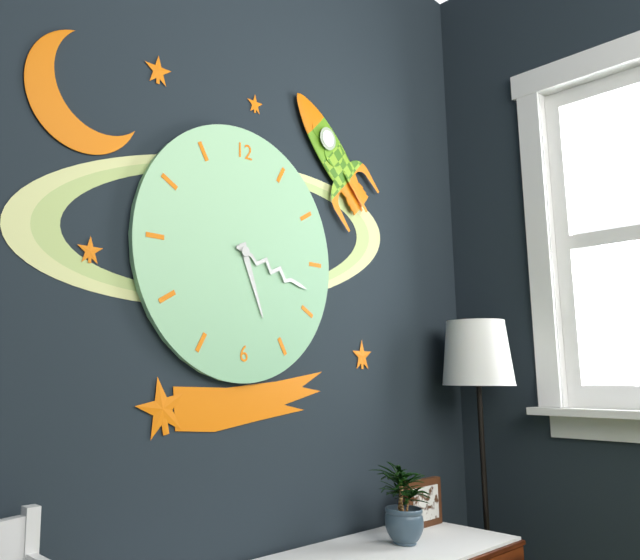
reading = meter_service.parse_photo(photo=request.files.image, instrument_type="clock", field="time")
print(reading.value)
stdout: 5:18
